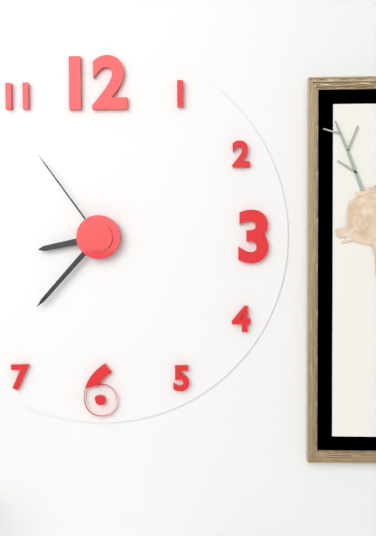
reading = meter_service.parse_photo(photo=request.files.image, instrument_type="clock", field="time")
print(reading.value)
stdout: 8:37:54
